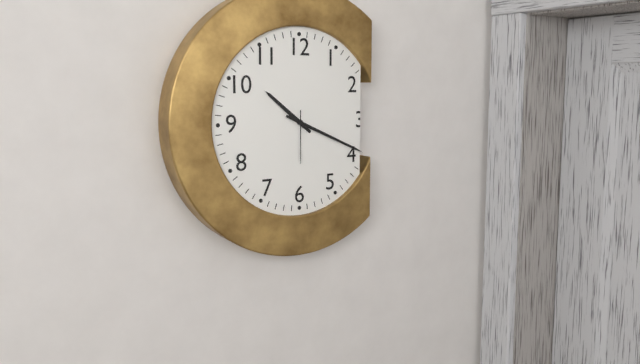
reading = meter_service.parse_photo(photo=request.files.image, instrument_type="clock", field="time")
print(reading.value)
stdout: 10:19:30
